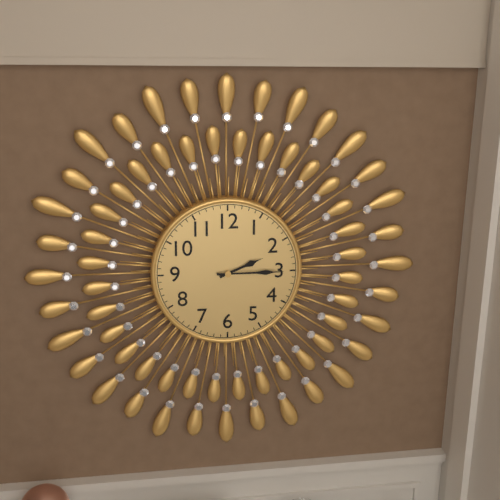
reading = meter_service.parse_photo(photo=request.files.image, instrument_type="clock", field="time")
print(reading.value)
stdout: 2:15
